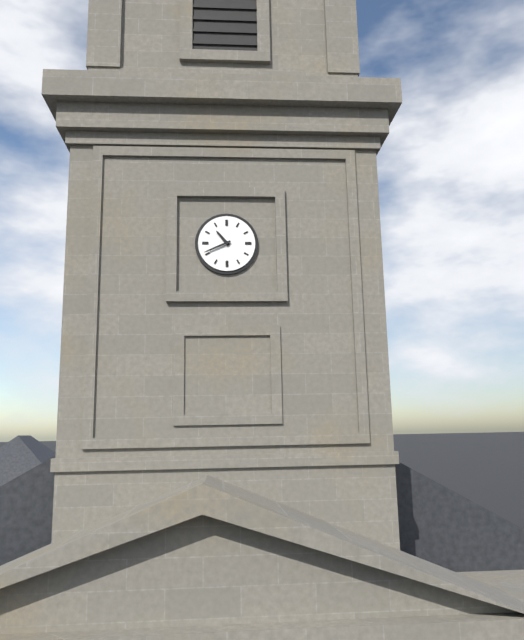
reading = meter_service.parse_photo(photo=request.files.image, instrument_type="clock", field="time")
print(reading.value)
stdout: 10:41
